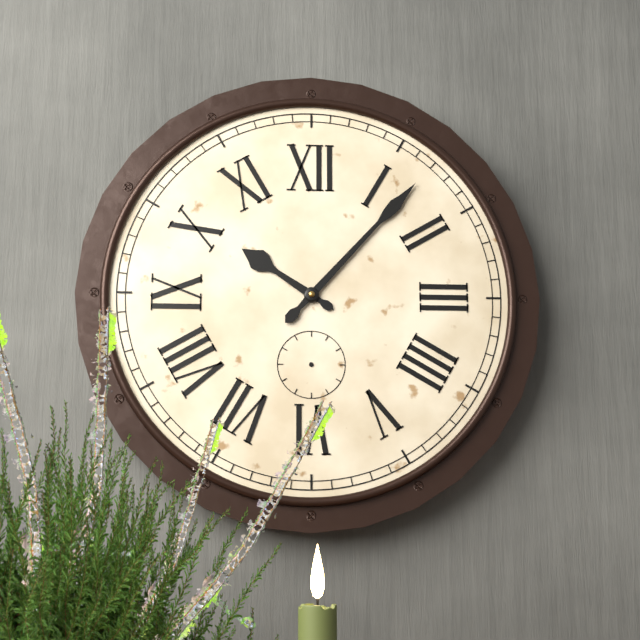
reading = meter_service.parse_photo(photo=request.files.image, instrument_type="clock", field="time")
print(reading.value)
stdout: 10:07
